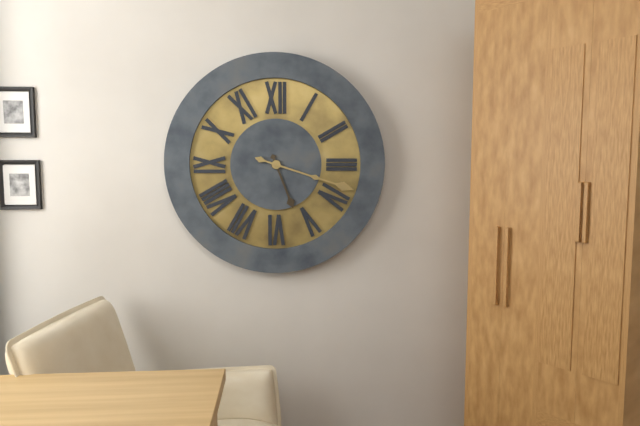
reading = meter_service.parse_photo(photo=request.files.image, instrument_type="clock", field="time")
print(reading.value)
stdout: 5:18
